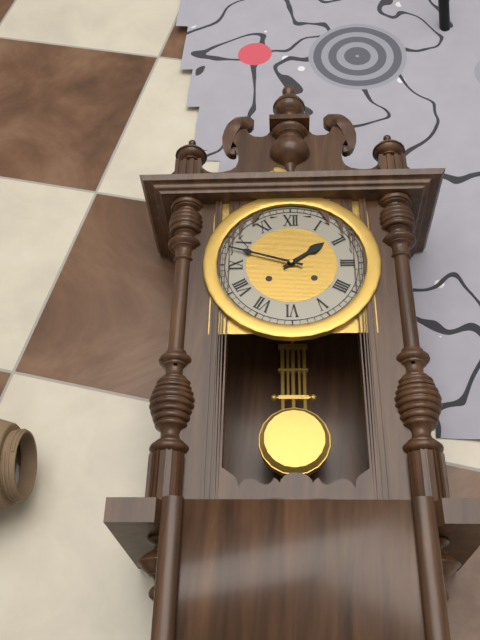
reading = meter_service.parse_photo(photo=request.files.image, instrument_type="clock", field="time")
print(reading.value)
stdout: 1:48
